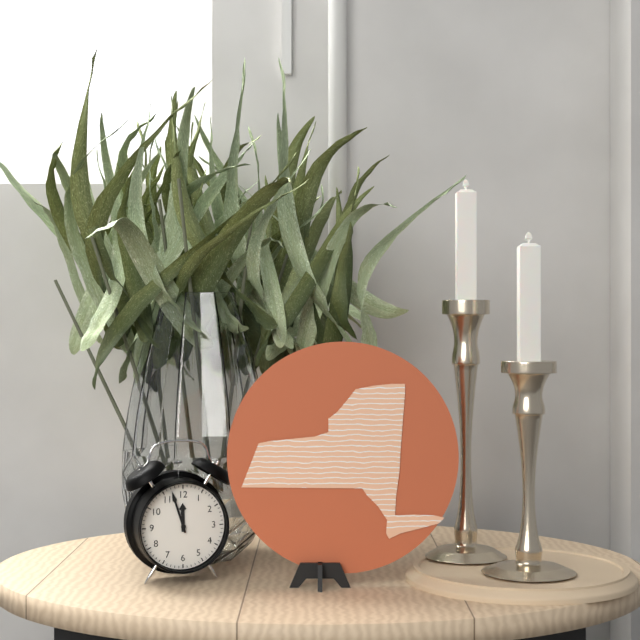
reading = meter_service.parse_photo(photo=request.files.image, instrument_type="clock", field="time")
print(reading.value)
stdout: 11:57
